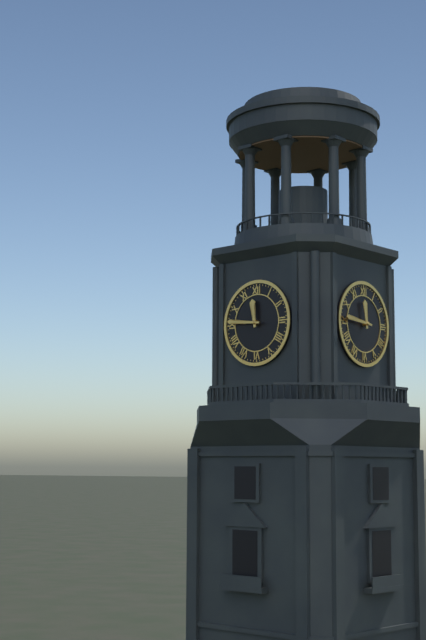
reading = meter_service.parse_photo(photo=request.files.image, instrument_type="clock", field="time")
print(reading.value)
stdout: 11:46
